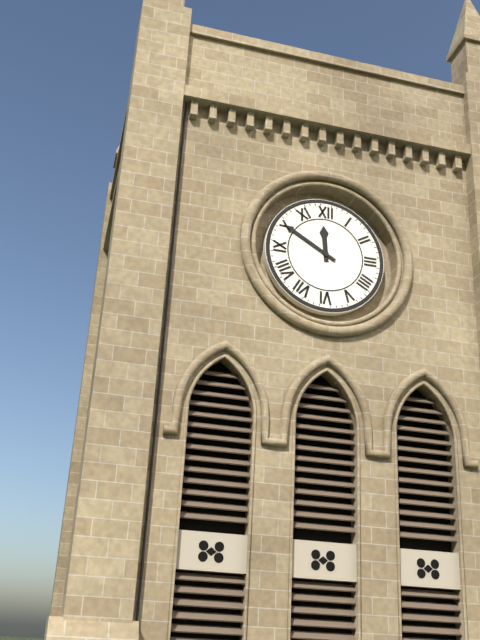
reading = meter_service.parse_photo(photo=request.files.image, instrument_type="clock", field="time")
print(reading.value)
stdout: 11:50
